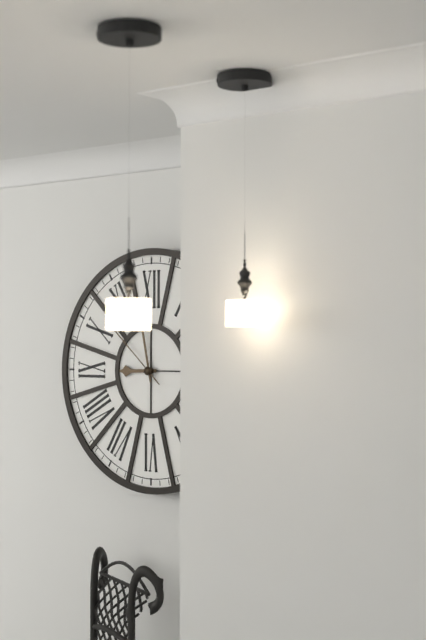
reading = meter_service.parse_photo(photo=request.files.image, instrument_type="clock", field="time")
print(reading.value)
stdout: 8:58:52
